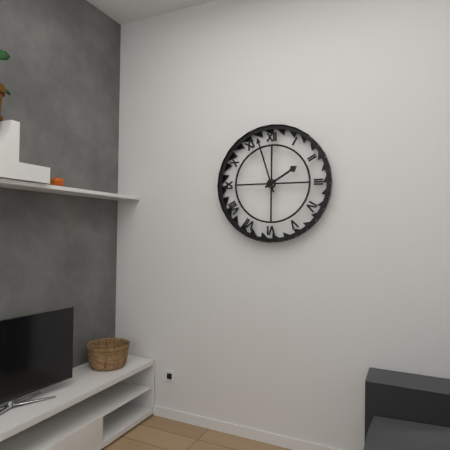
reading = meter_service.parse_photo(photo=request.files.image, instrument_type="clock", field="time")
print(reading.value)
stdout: 1:57
